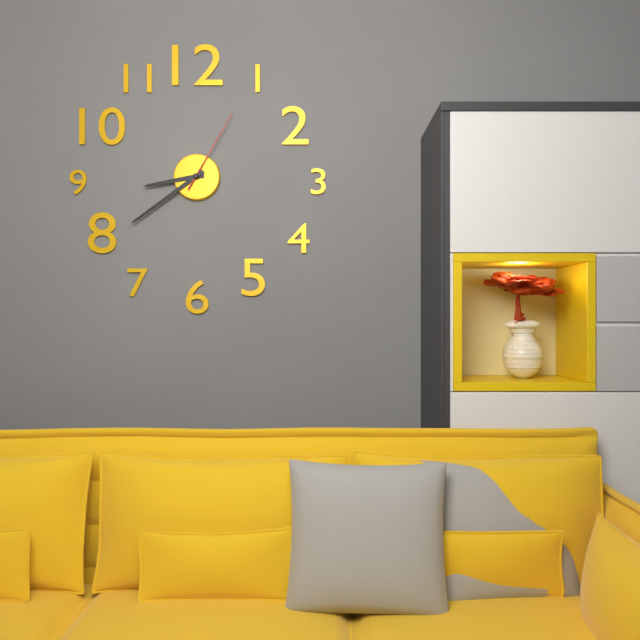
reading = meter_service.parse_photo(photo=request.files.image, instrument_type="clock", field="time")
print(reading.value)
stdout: 8:39:05
